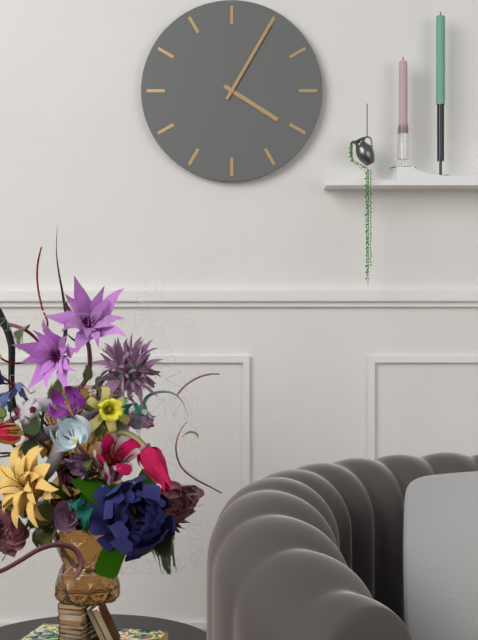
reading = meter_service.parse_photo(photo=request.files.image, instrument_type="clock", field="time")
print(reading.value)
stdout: 4:05
